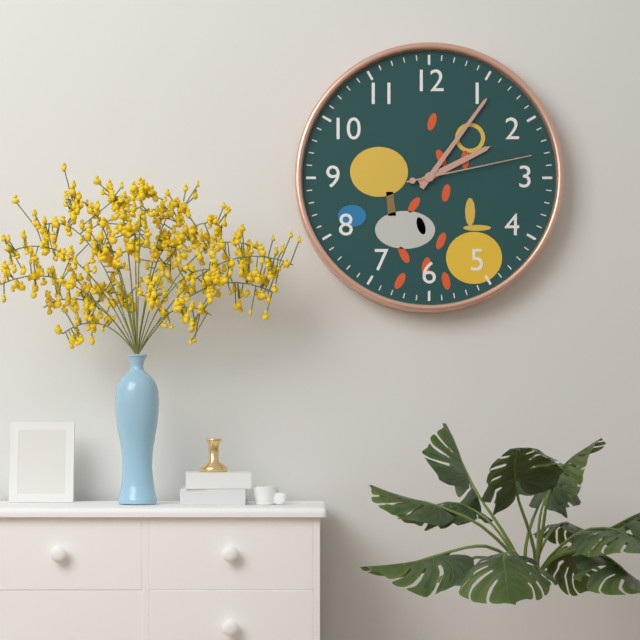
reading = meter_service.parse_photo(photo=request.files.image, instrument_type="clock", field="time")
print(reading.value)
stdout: 2:06:13
